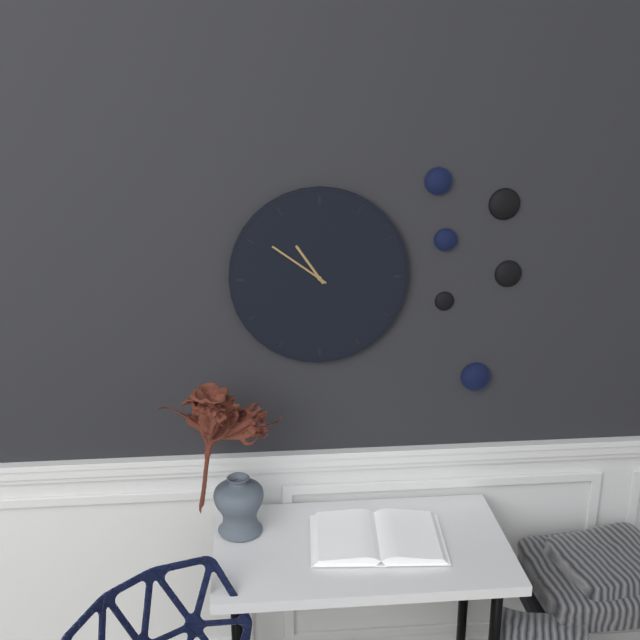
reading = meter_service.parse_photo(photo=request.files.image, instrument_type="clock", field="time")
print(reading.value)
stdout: 10:51
